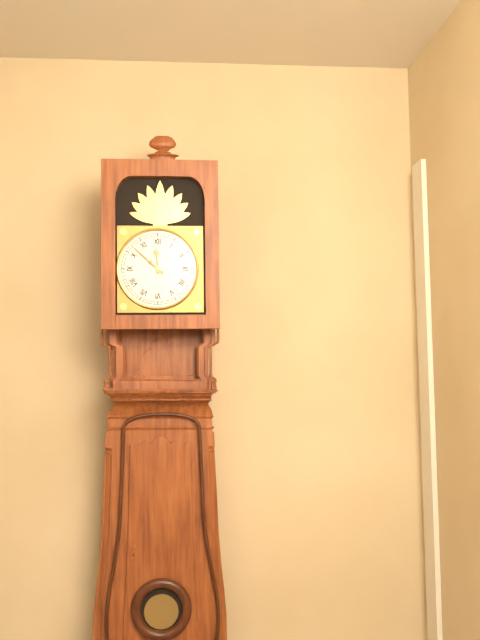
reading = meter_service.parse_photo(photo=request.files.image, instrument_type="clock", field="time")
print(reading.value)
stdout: 11:52
